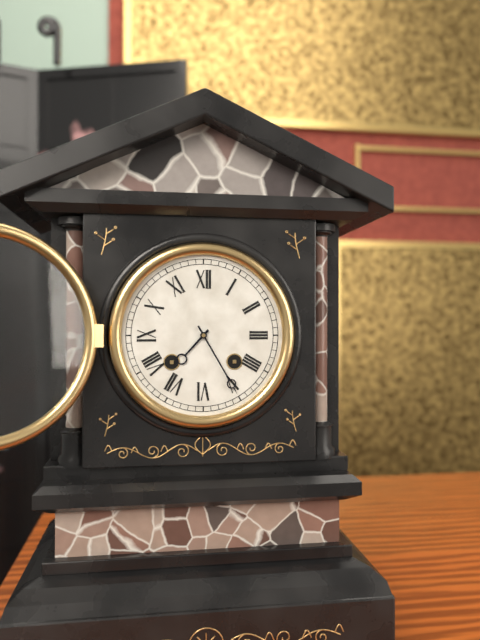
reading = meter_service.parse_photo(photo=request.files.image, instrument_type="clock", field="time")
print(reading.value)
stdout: 7:25
